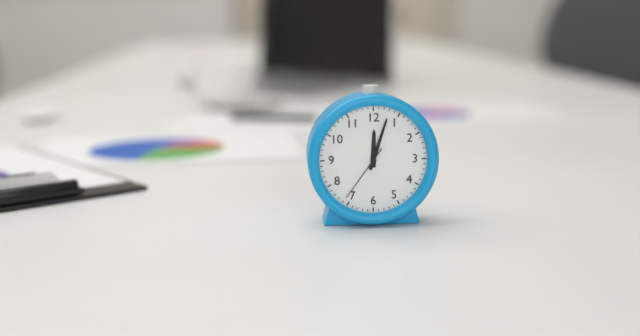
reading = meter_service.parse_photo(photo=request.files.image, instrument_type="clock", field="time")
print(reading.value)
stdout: 12:03:36
